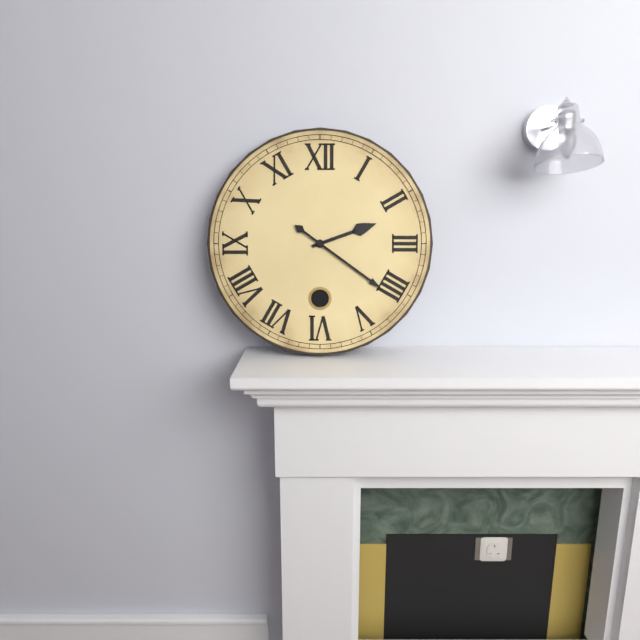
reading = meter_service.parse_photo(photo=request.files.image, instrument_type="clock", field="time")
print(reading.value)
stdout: 2:21
